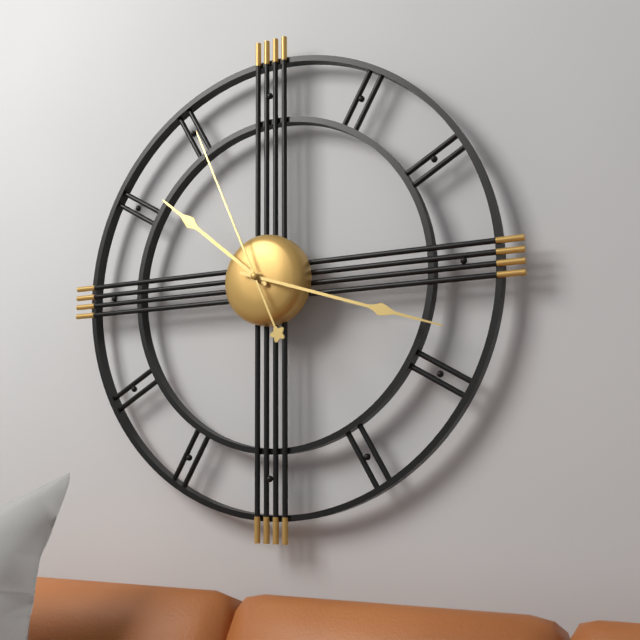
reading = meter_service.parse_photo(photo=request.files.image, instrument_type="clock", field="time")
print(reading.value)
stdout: 10:18:56
